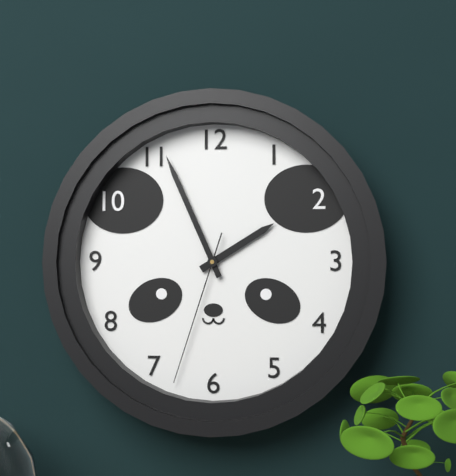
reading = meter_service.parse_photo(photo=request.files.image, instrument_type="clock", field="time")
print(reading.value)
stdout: 1:56:33
